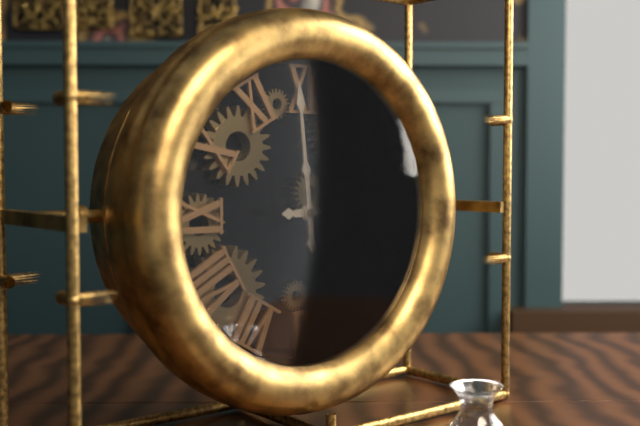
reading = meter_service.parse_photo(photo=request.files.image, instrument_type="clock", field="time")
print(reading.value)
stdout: 2:59
